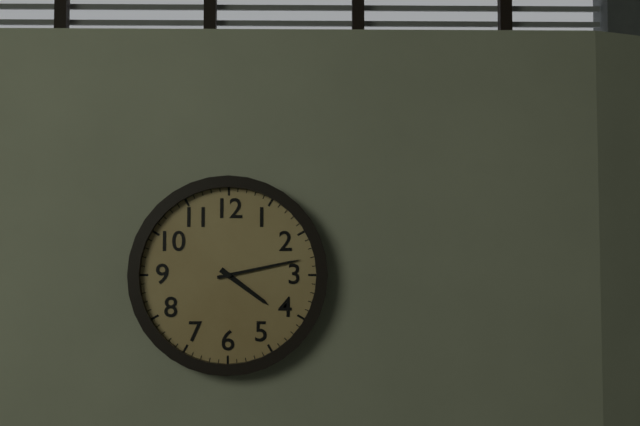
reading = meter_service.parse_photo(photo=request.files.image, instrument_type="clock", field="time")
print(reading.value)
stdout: 4:13
